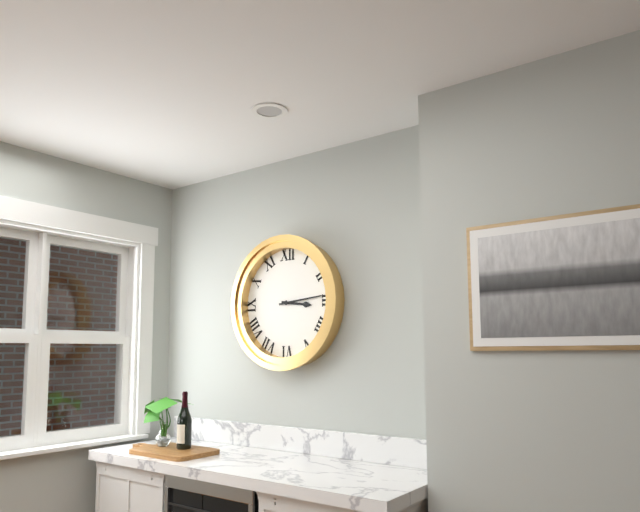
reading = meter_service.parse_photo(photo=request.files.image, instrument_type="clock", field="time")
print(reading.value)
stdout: 3:14
